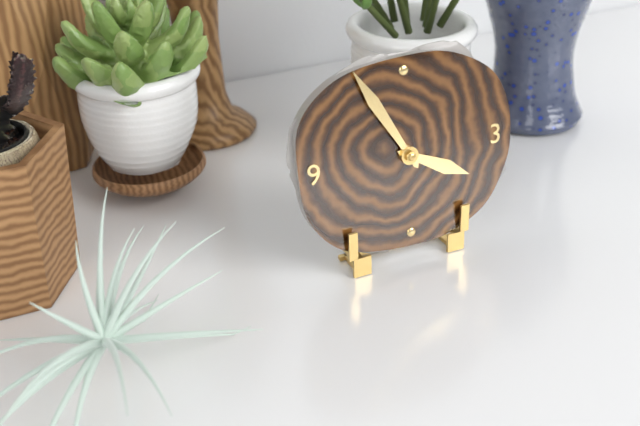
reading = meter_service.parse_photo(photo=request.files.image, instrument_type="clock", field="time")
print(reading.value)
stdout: 3:55
